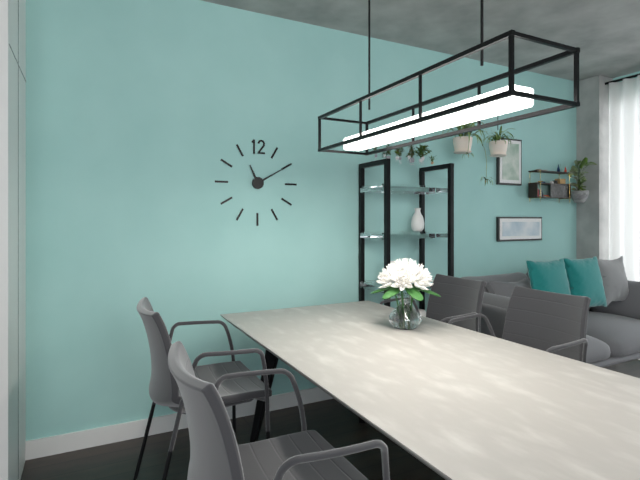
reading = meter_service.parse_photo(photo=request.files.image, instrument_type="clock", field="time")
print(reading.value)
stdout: 11:10
